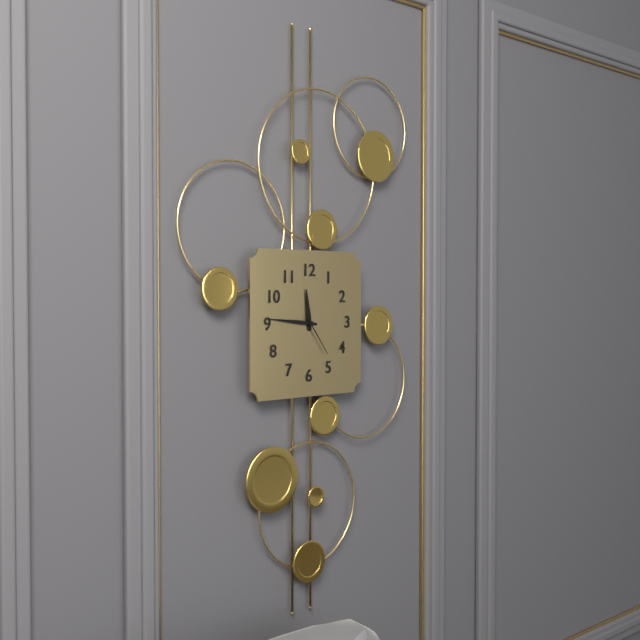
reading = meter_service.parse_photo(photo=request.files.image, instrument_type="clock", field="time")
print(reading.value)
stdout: 11:46
